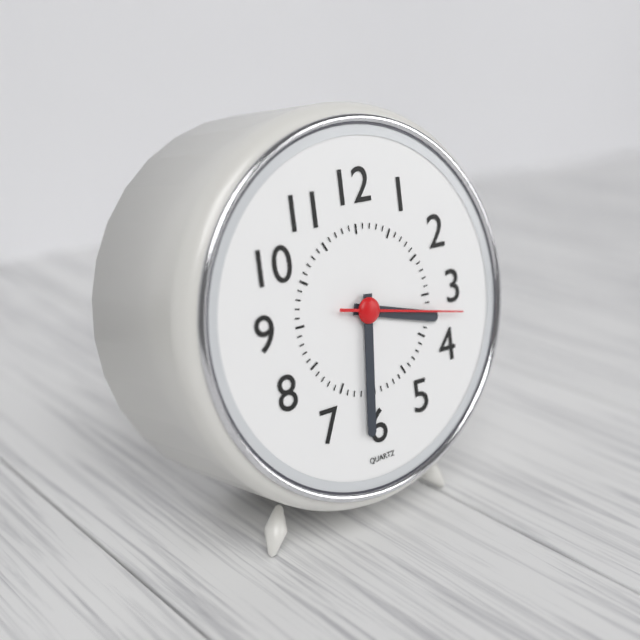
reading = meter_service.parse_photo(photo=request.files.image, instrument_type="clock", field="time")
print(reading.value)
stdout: 3:31:17
